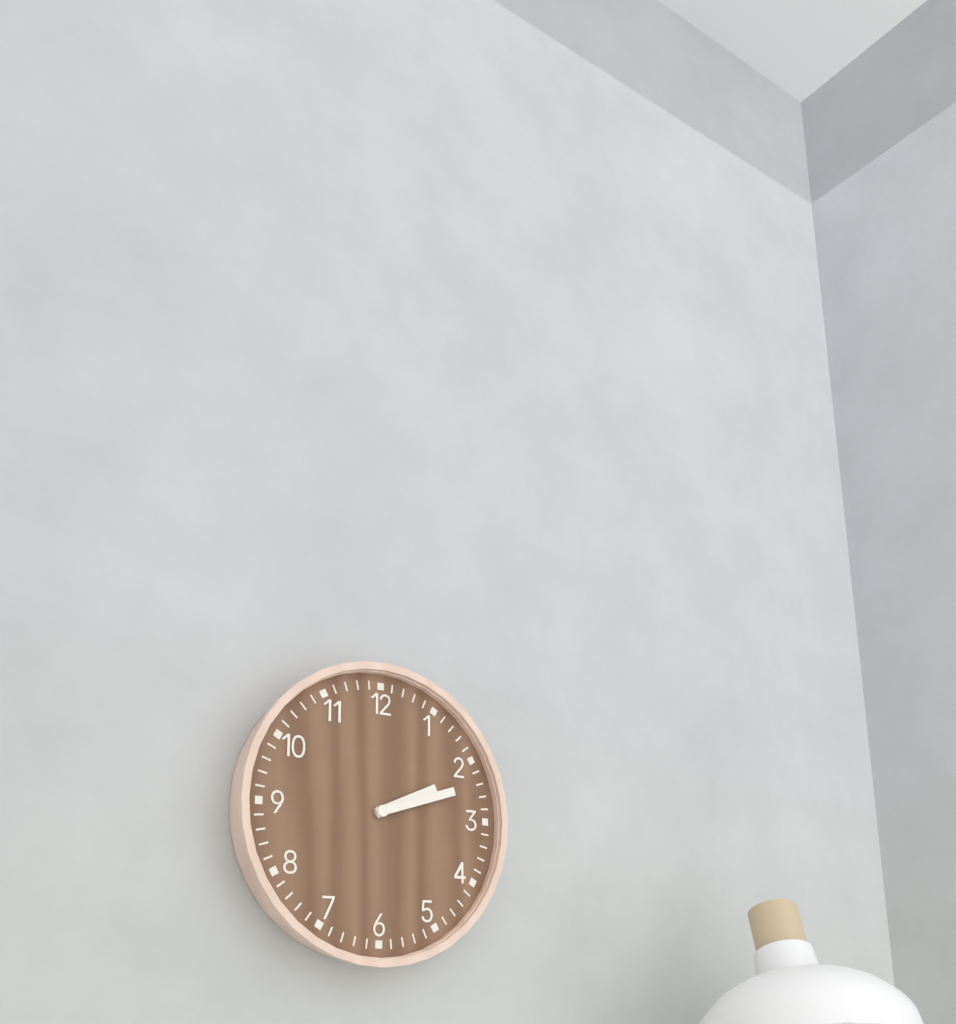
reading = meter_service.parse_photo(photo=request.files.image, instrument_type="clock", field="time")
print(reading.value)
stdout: 2:12
